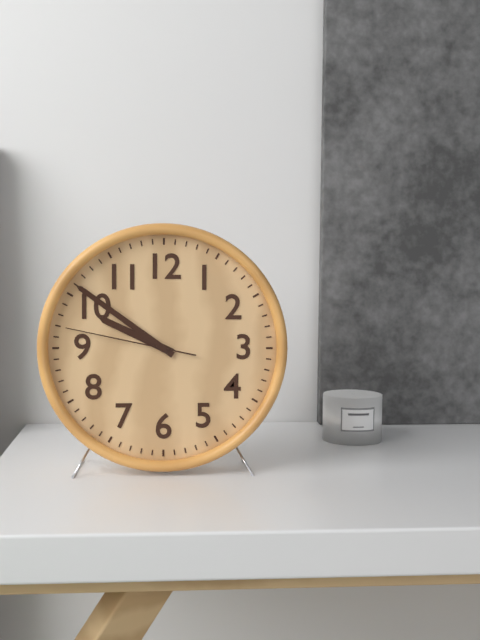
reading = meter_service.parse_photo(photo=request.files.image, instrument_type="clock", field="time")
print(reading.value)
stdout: 9:51:47
